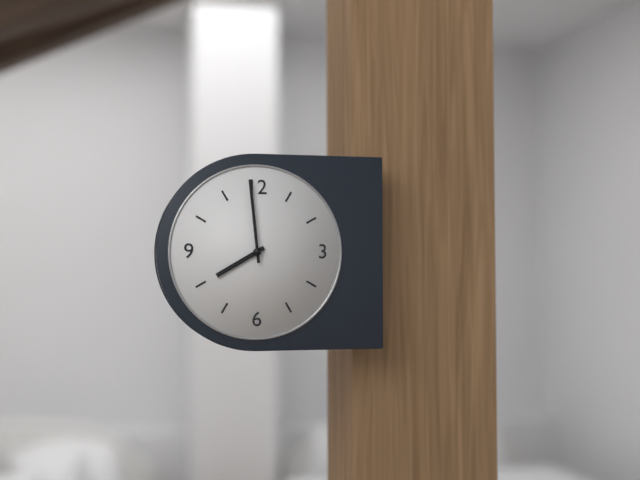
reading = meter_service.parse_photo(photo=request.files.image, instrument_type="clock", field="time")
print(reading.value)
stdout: 7:59
